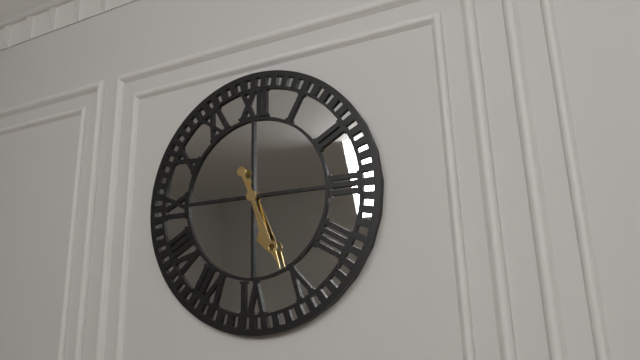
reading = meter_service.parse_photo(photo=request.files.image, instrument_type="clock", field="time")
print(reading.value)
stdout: 5:26
